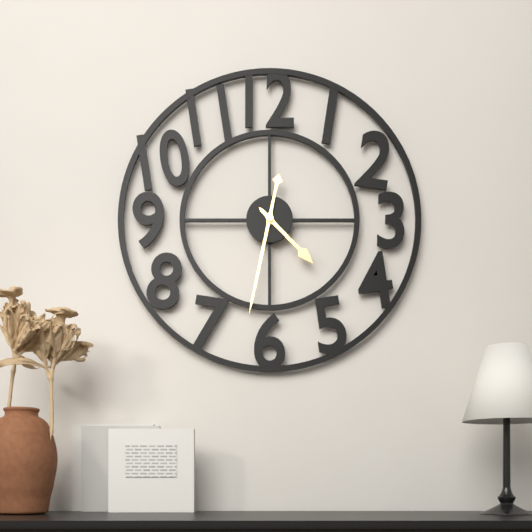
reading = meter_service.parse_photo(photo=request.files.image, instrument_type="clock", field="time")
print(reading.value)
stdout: 4:32
